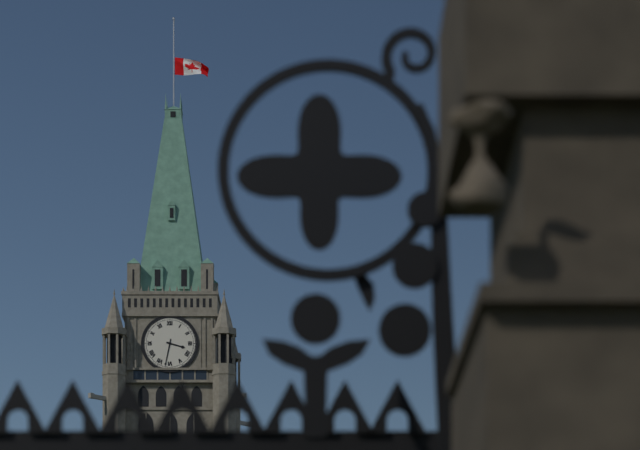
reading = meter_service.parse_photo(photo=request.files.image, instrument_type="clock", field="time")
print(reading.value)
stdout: 3:32
